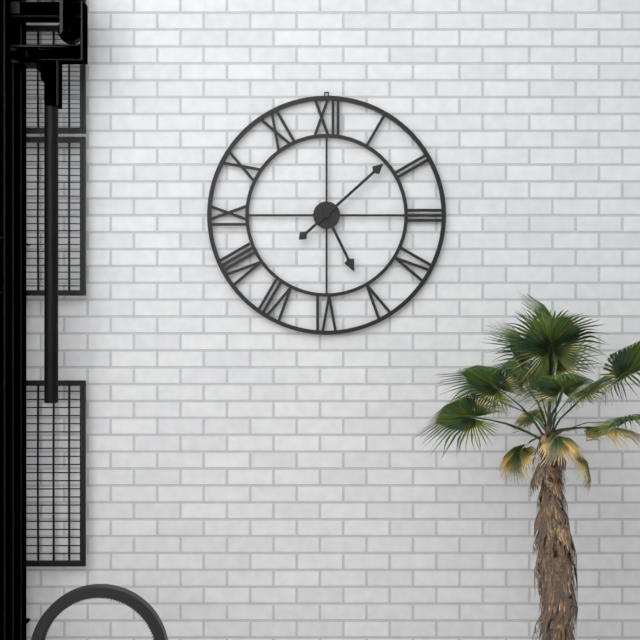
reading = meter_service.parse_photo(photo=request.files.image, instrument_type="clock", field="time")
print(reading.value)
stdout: 5:08
